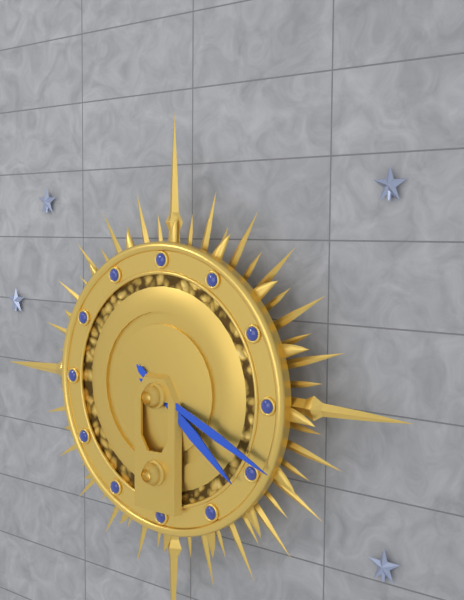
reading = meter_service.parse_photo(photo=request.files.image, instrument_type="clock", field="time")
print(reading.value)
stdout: 4:19
